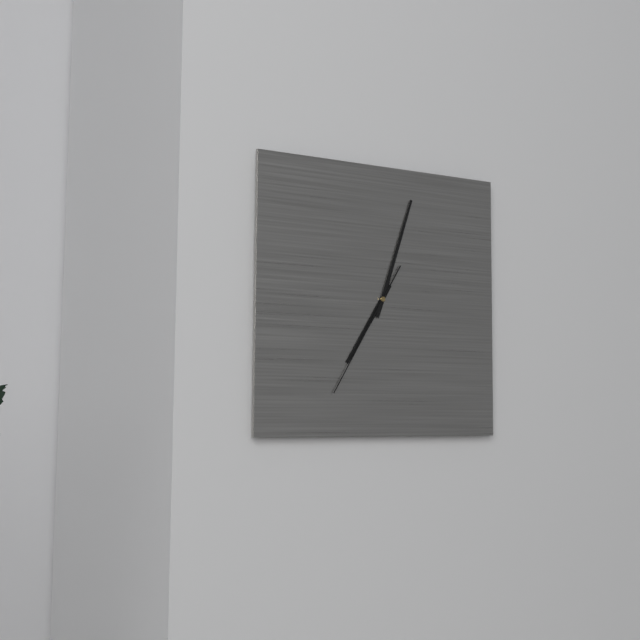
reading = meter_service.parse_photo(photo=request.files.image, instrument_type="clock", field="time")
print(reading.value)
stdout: 7:03:35
